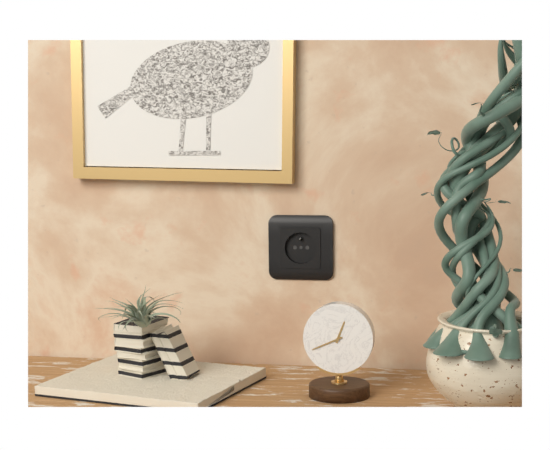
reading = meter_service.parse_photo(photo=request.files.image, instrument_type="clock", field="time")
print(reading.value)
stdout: 12:41
